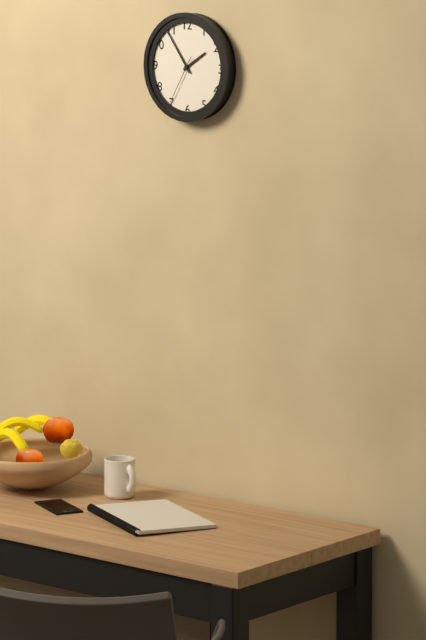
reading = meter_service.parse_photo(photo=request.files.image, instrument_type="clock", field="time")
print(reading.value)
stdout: 1:54
